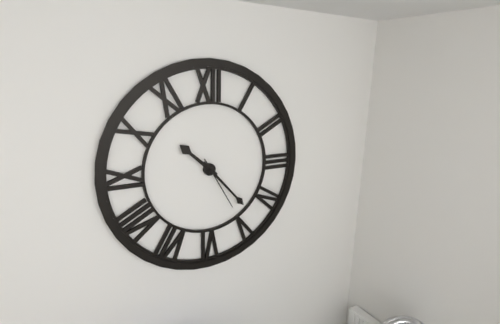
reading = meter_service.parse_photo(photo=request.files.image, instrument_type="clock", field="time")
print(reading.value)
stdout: 10:23:25
